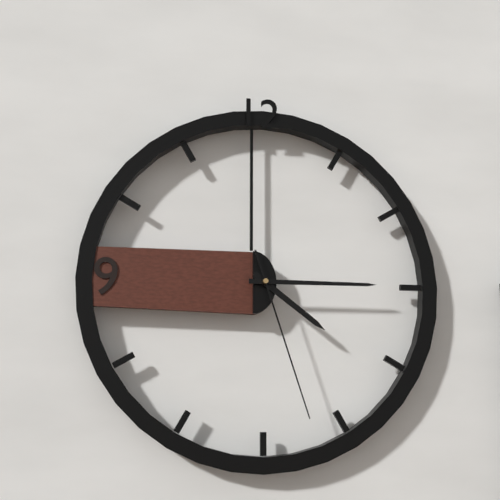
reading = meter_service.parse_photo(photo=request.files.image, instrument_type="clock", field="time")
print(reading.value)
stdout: 4:15:27
